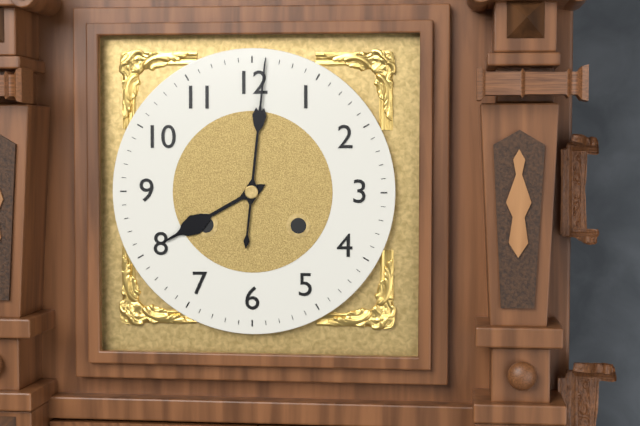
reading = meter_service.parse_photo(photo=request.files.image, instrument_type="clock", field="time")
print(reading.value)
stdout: 8:01
